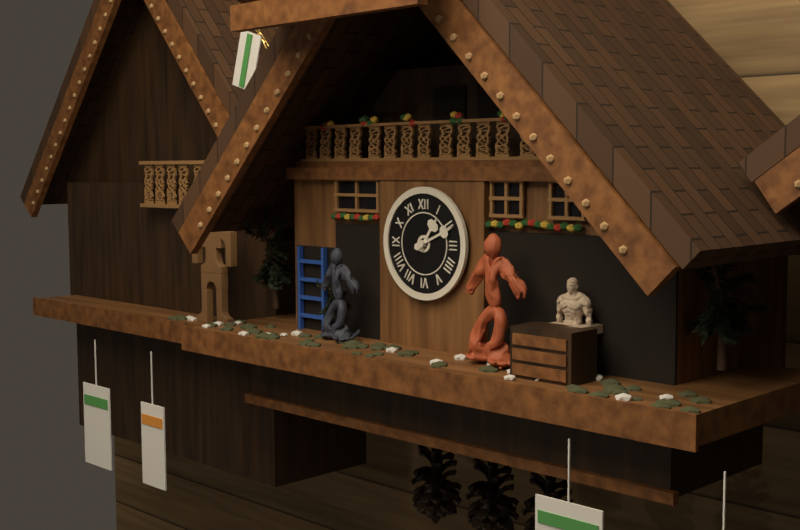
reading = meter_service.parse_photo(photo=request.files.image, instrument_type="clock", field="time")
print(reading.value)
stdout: 1:11
